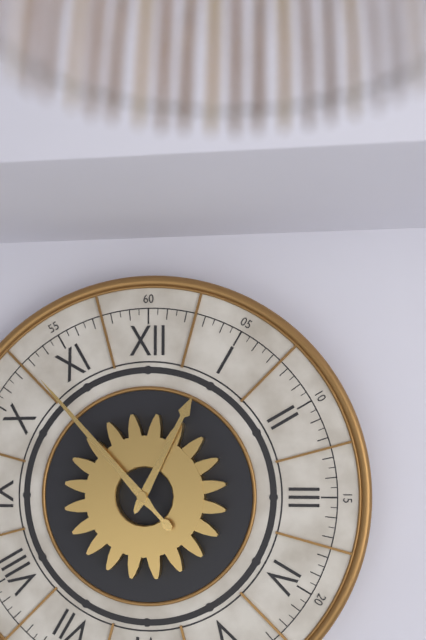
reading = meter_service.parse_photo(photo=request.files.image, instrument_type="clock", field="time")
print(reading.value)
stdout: 12:53
